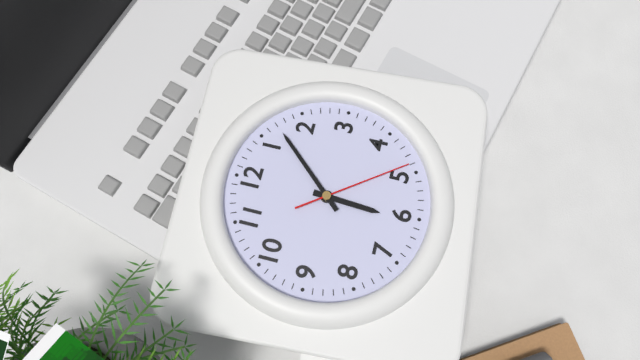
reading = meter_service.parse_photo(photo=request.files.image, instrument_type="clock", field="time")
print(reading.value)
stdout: 6:07:24
